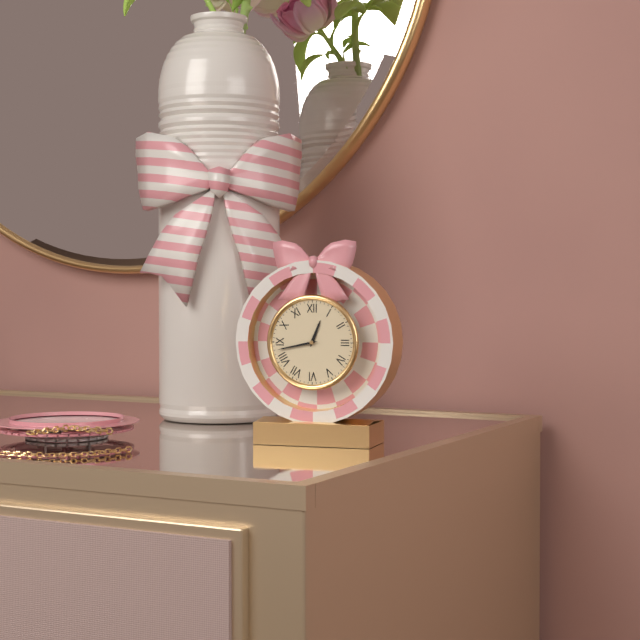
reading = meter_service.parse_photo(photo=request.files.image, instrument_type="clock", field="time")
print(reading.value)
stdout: 12:43
